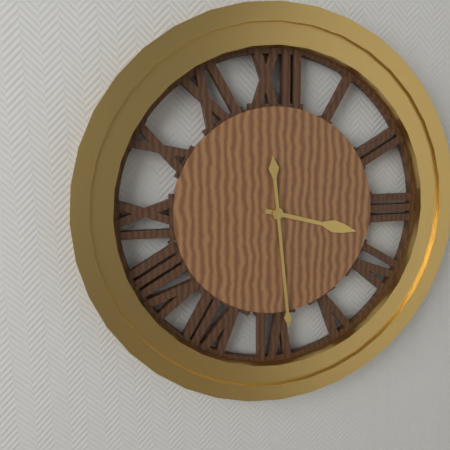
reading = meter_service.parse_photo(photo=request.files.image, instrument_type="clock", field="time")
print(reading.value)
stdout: 3:29
